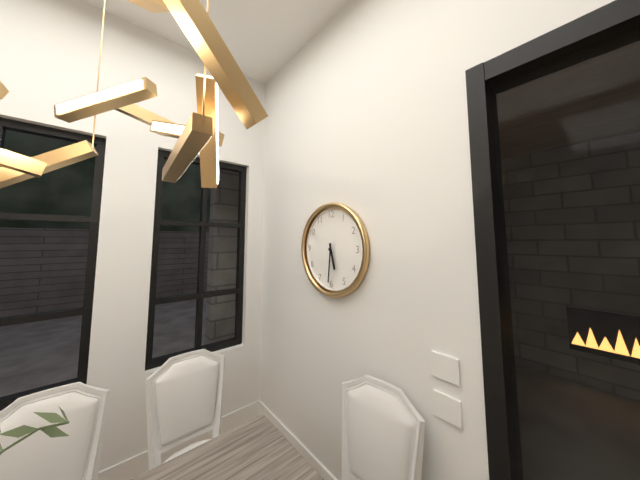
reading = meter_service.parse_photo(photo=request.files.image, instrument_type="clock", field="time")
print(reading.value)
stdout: 5:31
